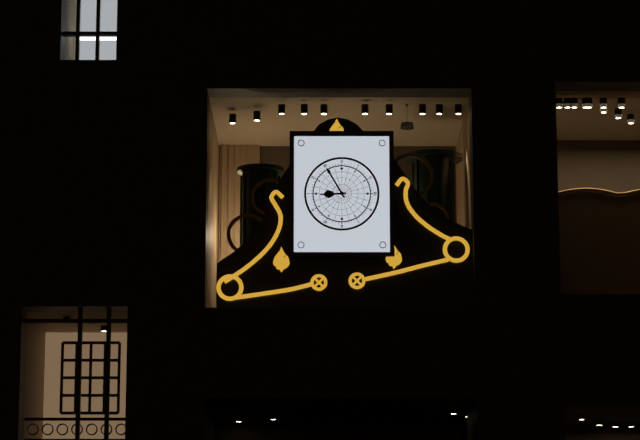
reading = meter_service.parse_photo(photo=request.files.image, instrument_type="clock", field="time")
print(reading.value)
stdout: 8:55
